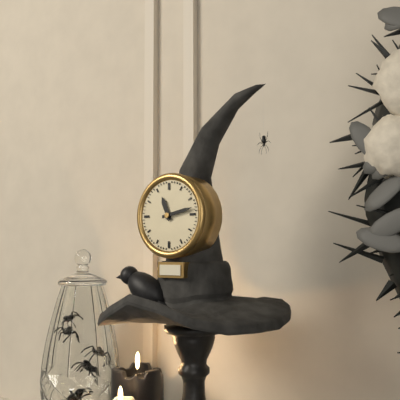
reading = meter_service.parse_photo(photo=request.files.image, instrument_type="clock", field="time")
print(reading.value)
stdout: 11:13
